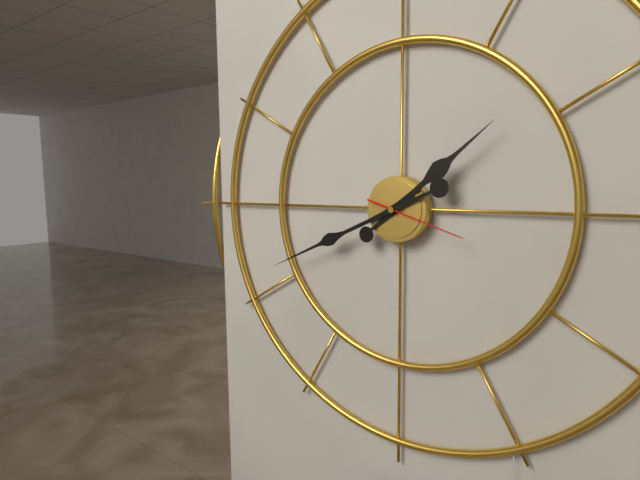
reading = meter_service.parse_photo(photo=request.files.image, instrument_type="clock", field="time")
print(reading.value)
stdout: 1:41:18
